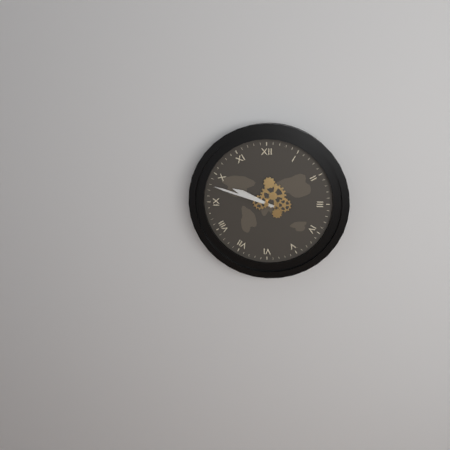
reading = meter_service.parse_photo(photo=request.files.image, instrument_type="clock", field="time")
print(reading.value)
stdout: 9:48
